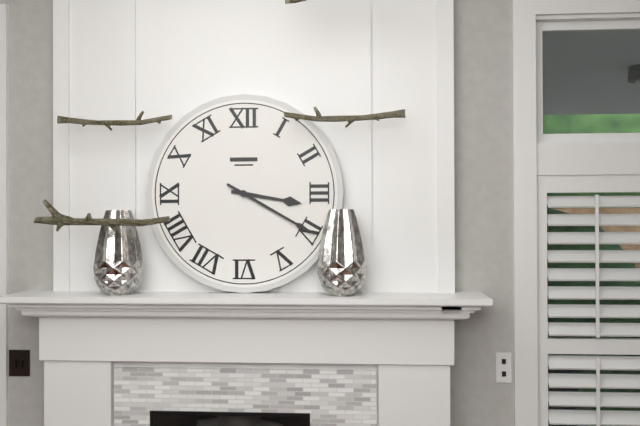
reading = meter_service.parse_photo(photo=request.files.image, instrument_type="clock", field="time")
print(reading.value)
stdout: 3:20
